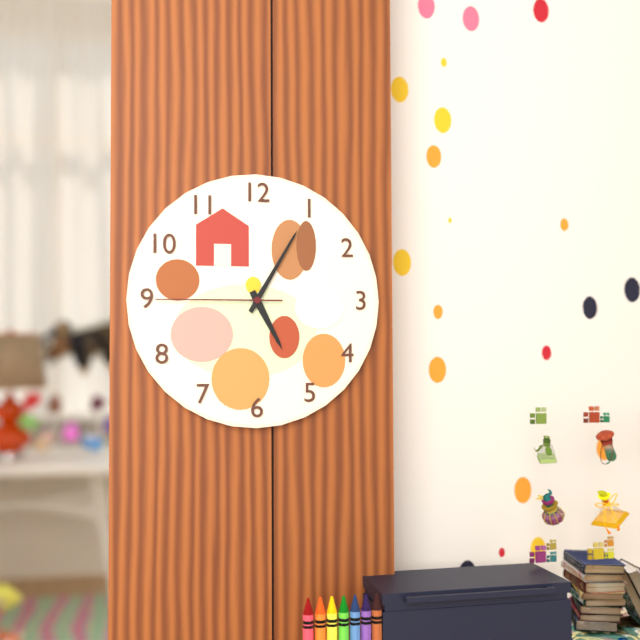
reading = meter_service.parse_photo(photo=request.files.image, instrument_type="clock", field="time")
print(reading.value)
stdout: 5:05:45
